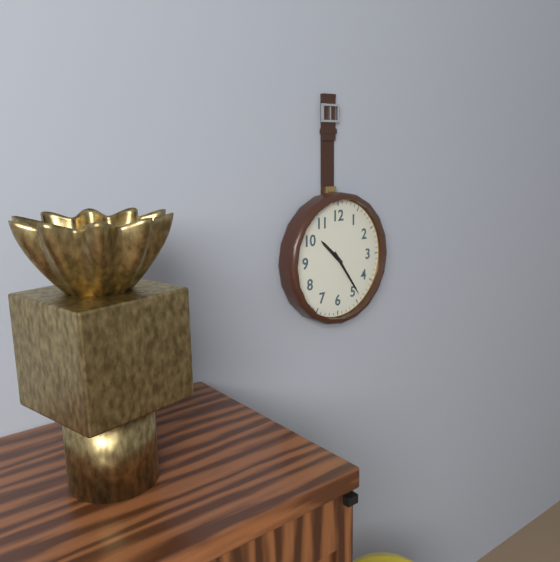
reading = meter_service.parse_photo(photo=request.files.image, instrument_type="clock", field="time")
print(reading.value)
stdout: 10:24
